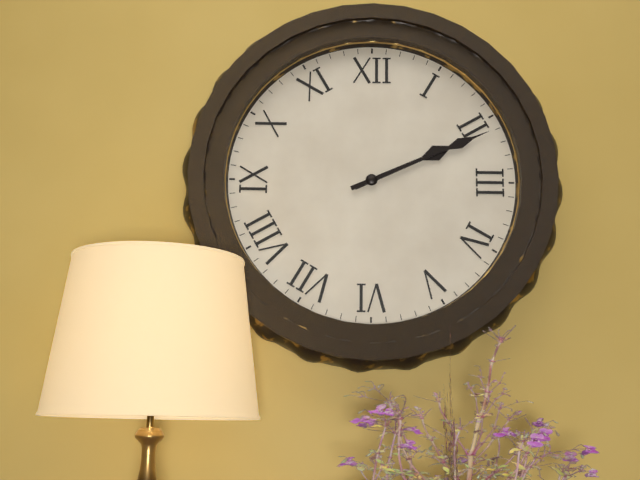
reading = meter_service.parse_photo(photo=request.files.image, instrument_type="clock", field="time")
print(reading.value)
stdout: 2:11
